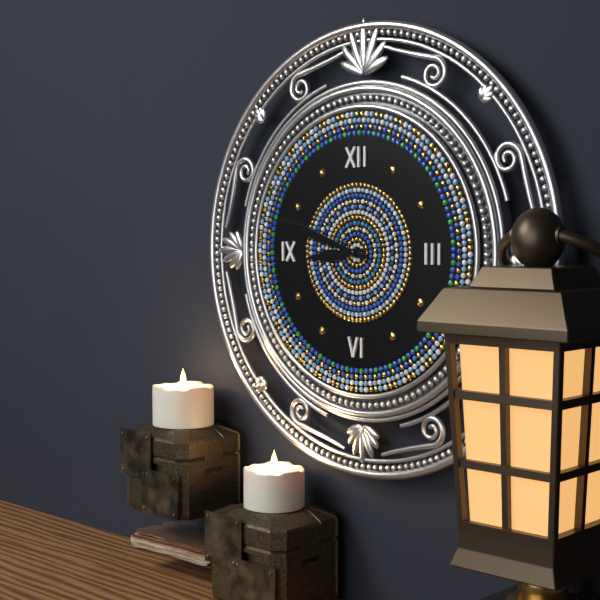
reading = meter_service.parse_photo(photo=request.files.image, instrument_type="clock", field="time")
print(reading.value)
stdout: 8:48
